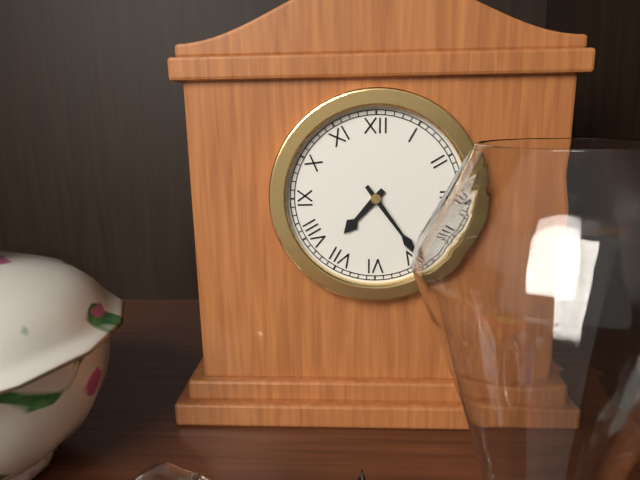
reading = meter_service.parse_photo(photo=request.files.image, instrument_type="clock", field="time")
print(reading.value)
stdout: 7:24
